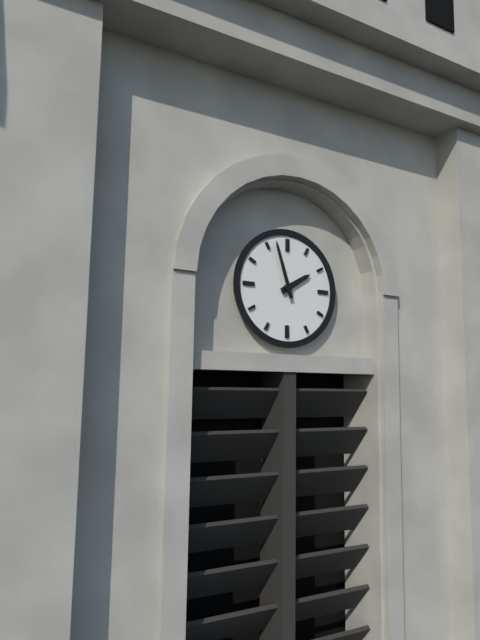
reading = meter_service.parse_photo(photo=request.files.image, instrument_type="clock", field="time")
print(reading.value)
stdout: 1:57
